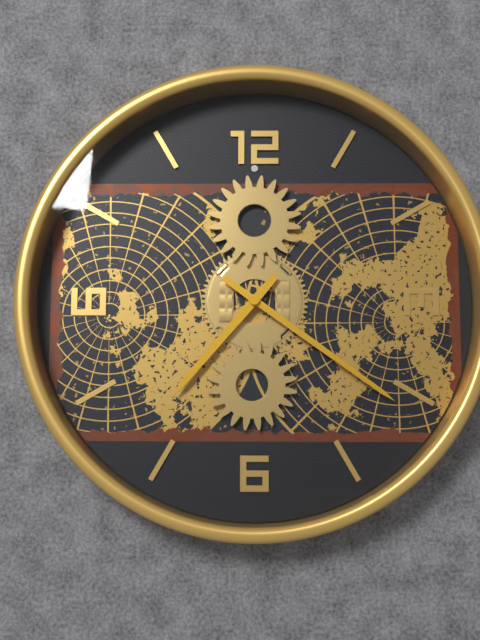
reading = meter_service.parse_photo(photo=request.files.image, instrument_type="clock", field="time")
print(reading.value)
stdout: 7:21
